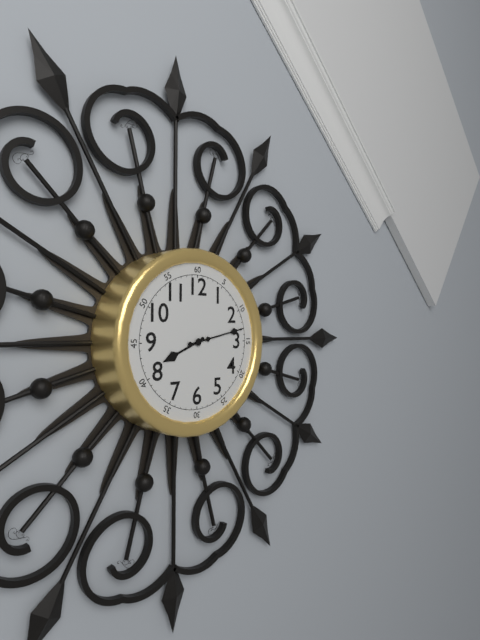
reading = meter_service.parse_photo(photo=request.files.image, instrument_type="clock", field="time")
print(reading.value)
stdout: 8:13
